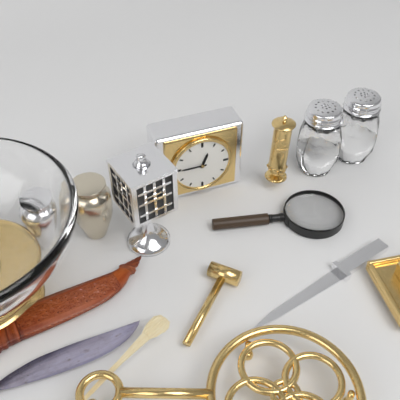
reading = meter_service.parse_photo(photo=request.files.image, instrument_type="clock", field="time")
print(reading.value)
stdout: 12:45
